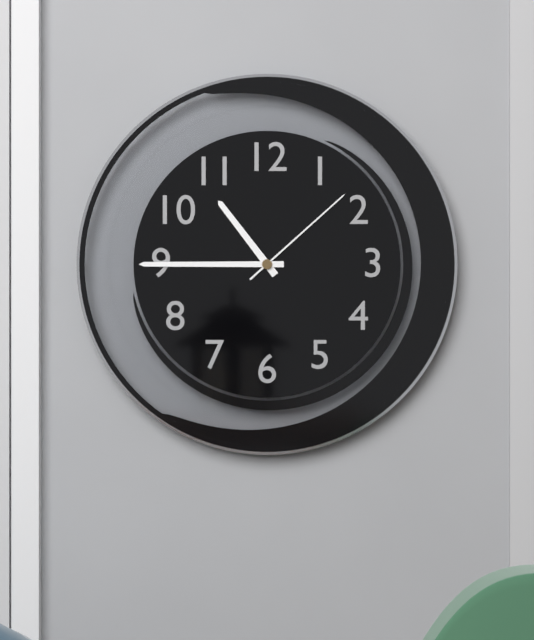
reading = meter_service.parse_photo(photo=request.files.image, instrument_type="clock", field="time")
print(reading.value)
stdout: 10:45:08
